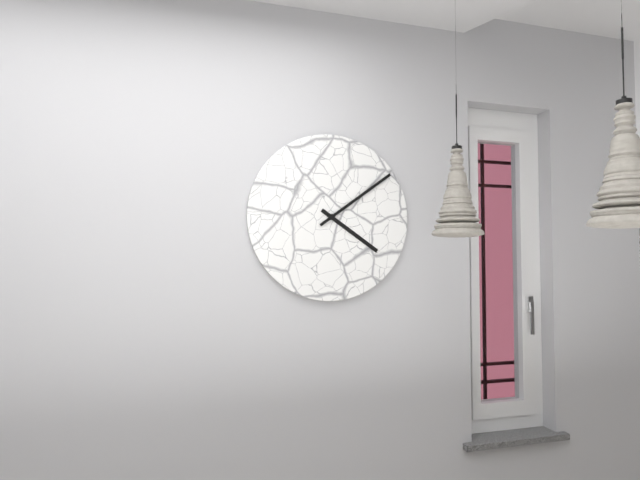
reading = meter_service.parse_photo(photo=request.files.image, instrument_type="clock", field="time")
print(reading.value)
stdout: 4:09
